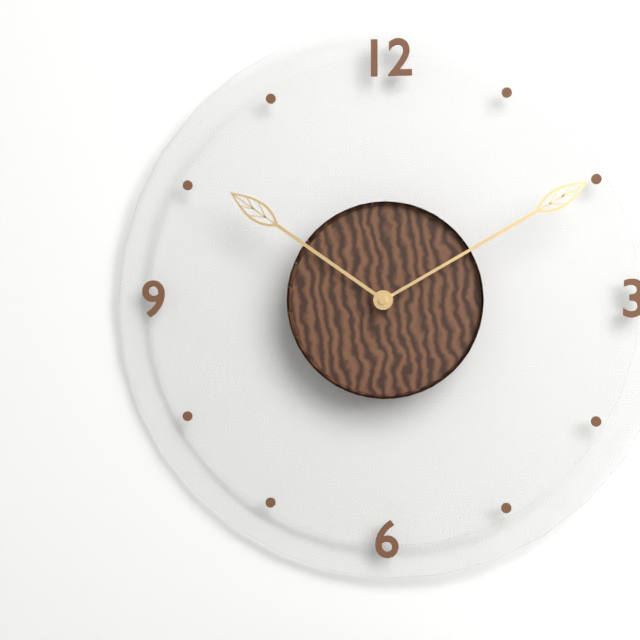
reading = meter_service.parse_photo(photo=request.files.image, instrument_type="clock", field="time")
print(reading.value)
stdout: 10:10
